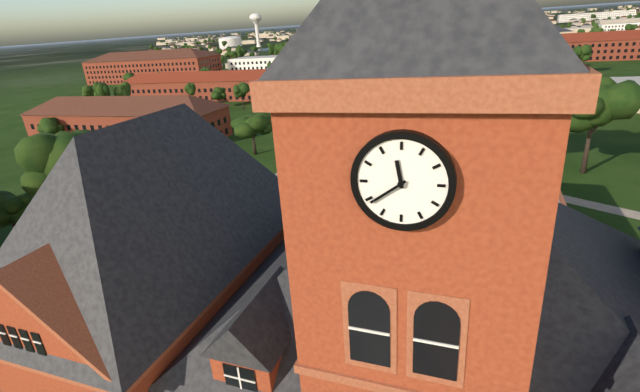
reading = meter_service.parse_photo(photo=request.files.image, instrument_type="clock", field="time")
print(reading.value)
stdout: 11:39
